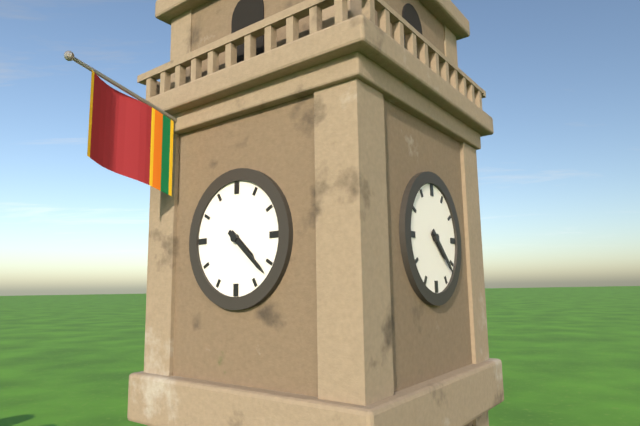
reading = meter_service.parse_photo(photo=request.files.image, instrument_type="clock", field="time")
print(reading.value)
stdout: 4:22
